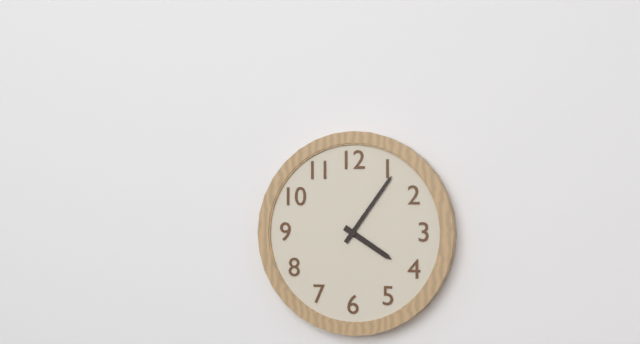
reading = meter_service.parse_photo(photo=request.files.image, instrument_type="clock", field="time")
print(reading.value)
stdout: 4:06
